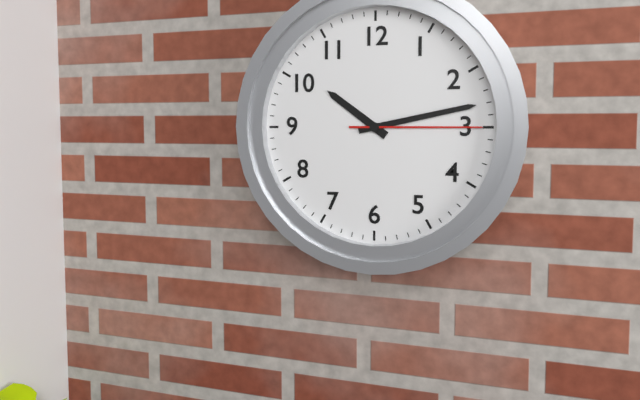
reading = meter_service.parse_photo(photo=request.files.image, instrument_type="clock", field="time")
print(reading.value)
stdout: 10:13:15
